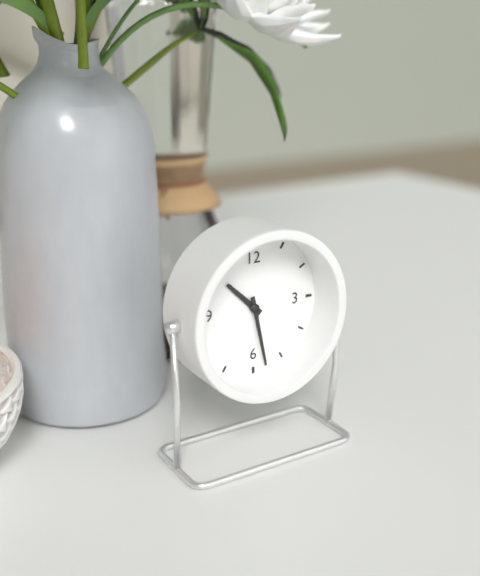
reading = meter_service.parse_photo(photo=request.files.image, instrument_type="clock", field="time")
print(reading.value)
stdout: 10:28
